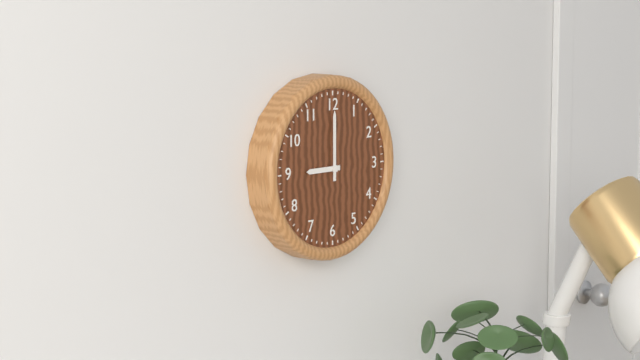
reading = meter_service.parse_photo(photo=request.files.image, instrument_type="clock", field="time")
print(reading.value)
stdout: 9:00
